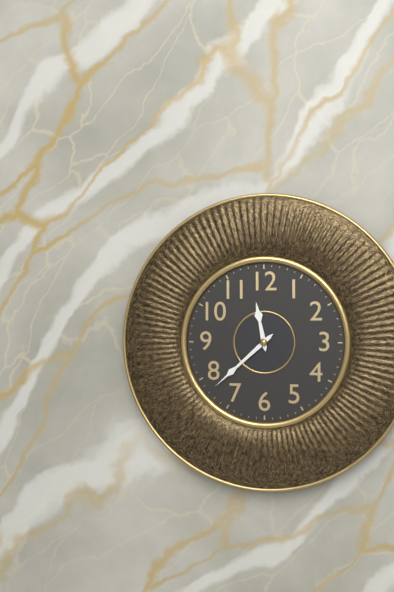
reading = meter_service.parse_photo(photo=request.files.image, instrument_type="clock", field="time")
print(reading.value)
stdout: 11:38
